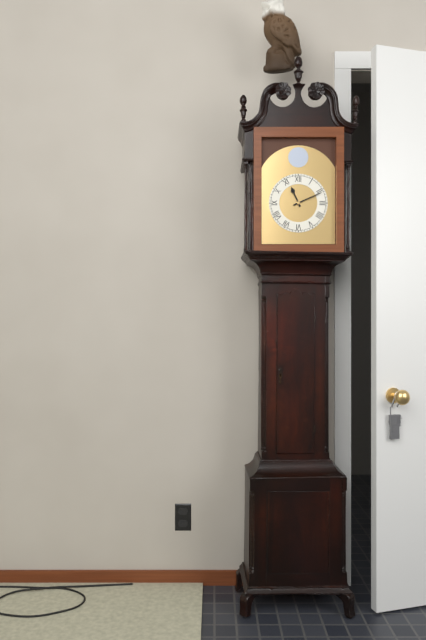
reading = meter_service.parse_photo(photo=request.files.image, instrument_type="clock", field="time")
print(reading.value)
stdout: 11:11
